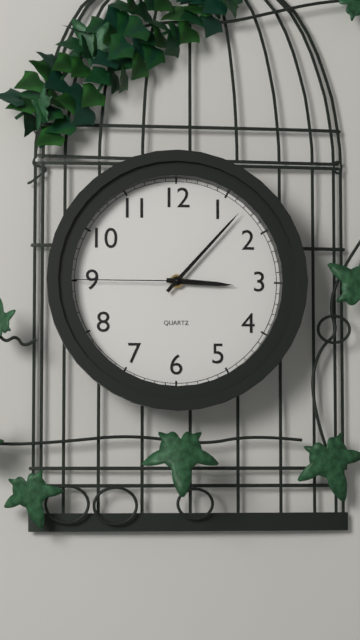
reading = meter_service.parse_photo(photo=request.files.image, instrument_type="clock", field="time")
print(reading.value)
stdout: 3:07:45
